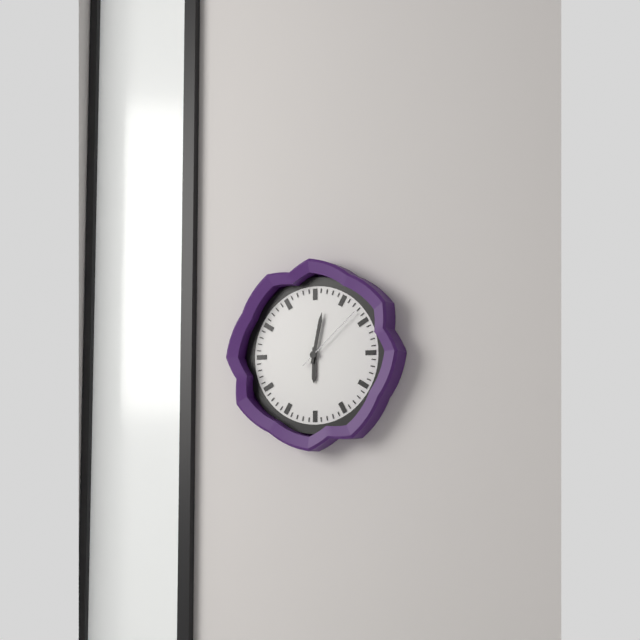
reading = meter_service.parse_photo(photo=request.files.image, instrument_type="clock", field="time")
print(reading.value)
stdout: 6:02:08
